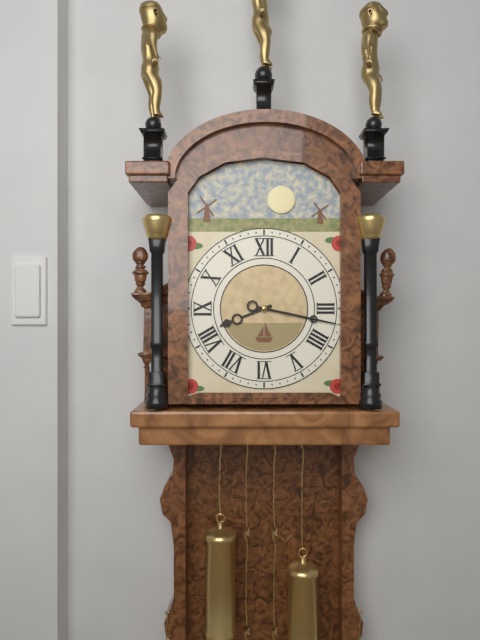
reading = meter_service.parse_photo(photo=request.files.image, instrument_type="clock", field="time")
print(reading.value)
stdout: 8:17
